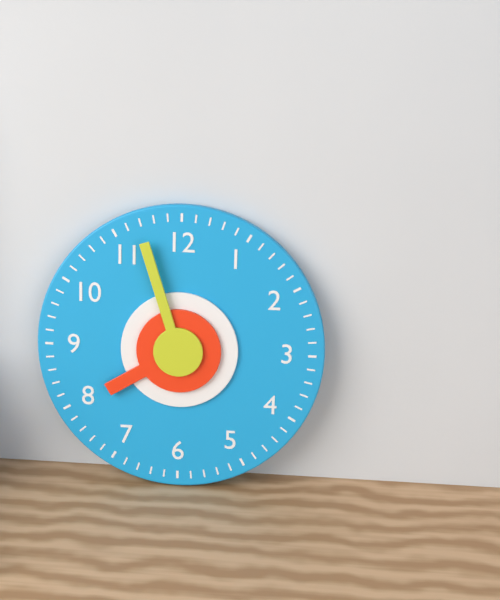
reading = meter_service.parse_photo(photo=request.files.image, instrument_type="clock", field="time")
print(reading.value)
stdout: 7:57
